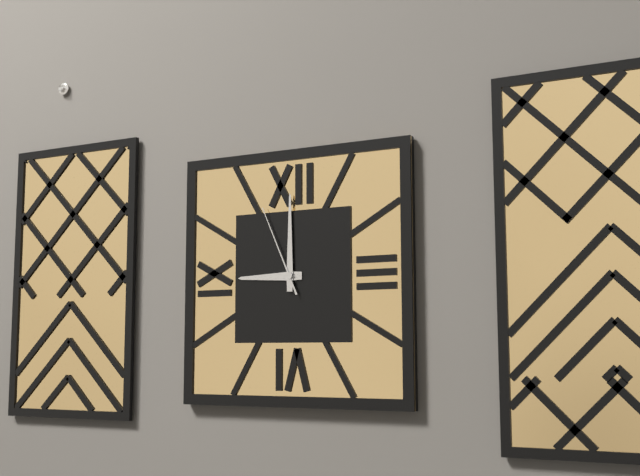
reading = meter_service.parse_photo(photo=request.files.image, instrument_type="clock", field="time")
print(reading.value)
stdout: 9:00:56
